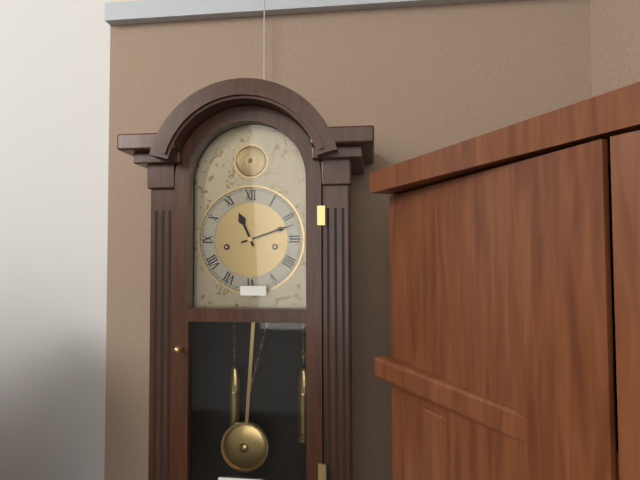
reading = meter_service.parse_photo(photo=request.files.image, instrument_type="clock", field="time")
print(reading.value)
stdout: 11:12
